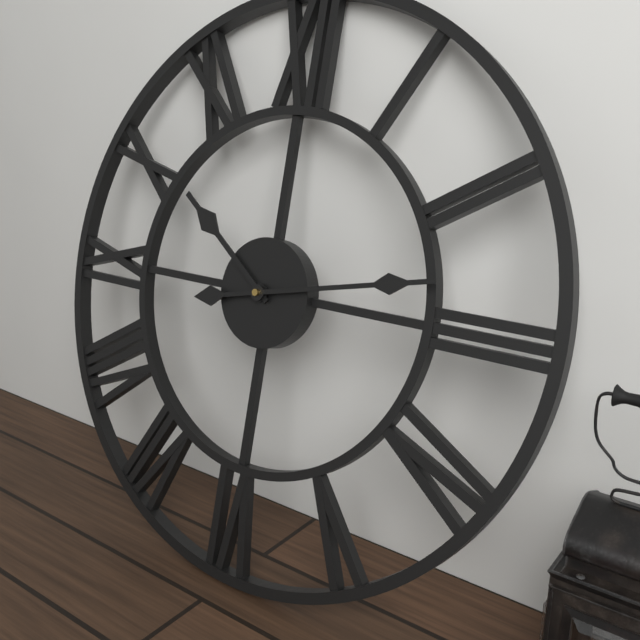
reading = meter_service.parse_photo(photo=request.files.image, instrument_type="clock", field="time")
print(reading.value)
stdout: 10:13
